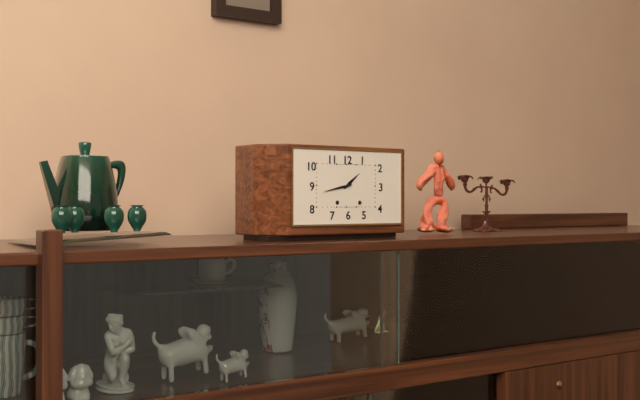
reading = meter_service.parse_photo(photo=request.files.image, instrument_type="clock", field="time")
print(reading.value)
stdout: 1:43
